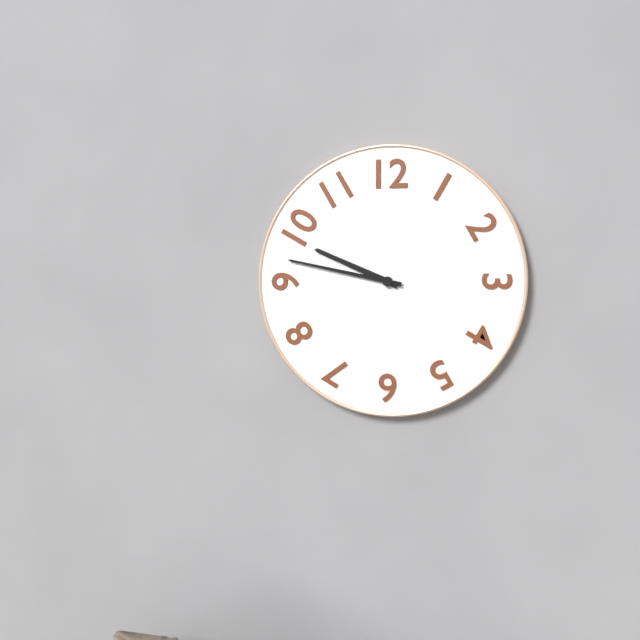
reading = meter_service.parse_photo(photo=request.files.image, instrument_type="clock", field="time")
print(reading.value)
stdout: 9:47
